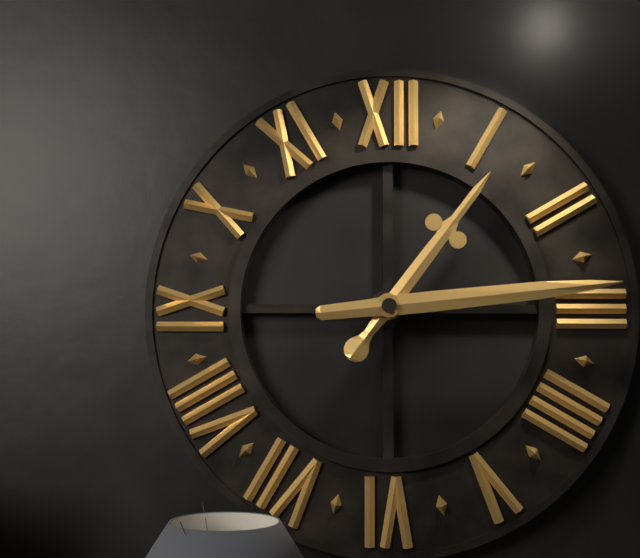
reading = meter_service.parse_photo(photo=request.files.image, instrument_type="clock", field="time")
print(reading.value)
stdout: 1:14
